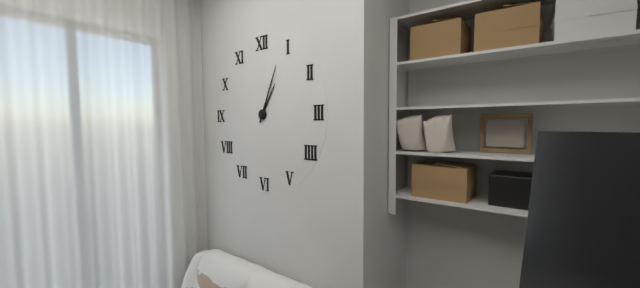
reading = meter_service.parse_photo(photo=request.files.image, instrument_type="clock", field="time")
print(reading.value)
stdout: 1:04
